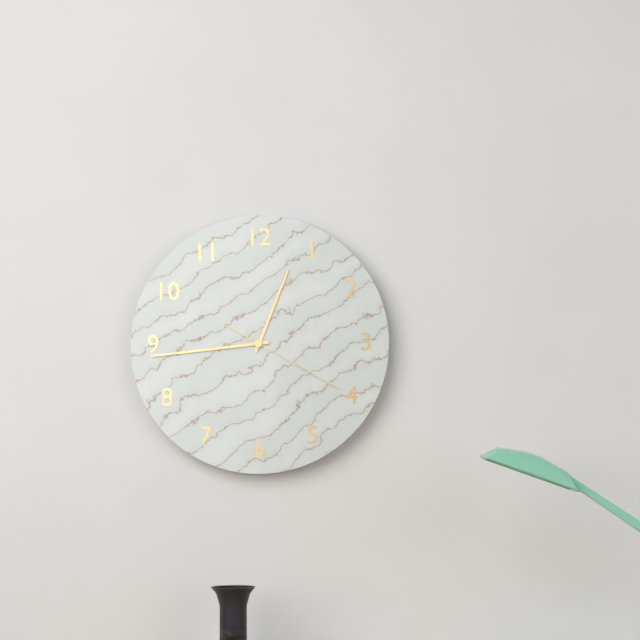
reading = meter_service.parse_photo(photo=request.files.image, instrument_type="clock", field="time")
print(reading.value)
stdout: 12:44:20
